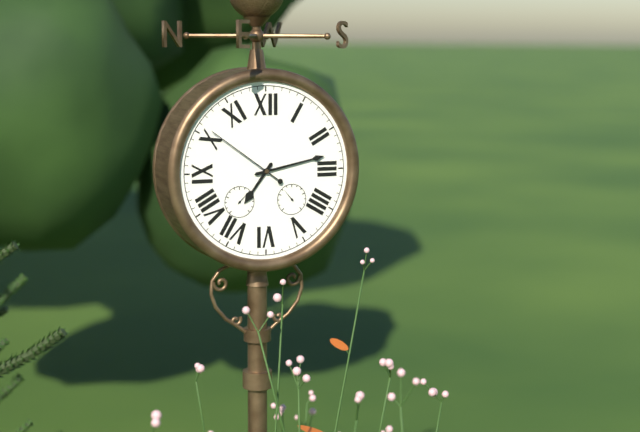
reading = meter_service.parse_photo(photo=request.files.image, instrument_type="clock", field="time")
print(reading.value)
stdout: 7:13:51
